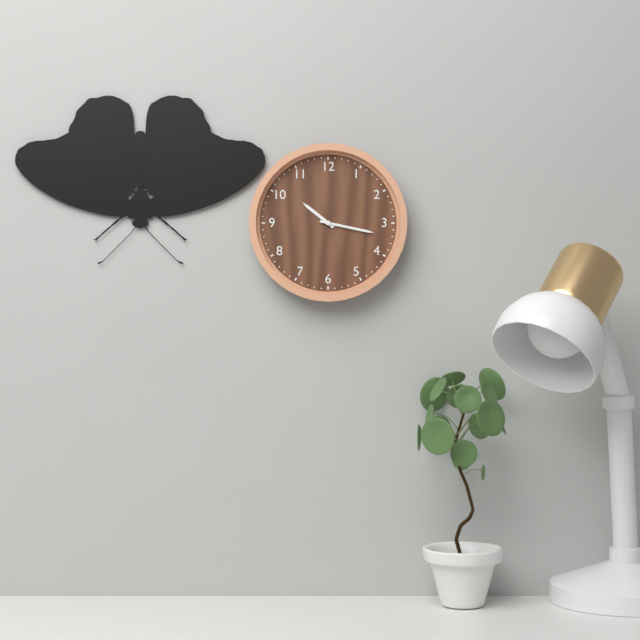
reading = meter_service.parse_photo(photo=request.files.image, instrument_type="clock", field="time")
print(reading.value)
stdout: 10:17
